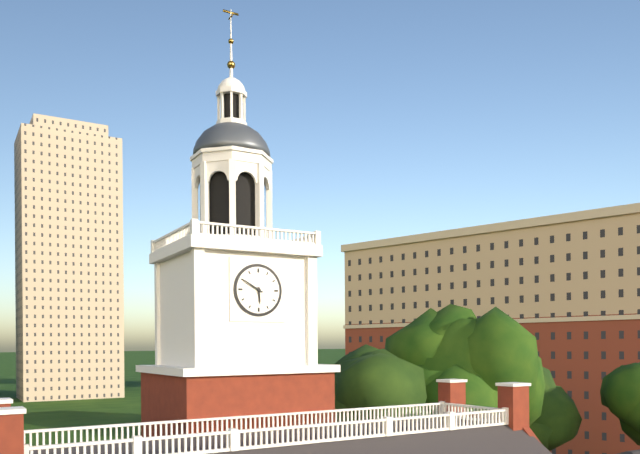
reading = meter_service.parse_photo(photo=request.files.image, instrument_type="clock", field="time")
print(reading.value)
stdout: 5:50
